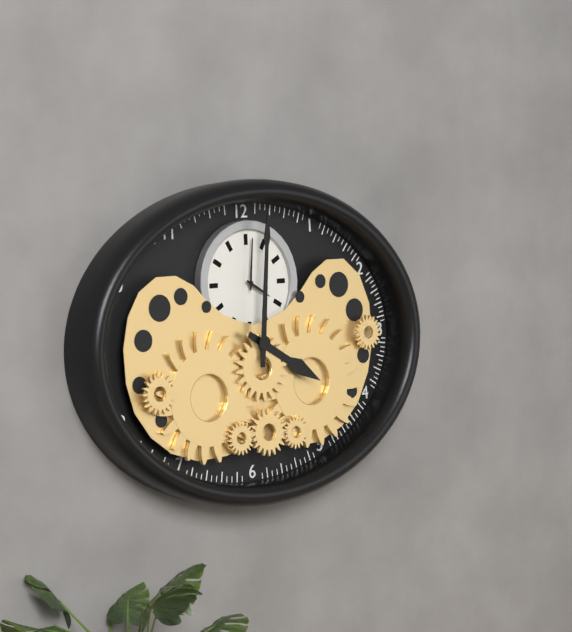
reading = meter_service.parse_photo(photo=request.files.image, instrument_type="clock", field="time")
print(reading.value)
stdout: 4:01
